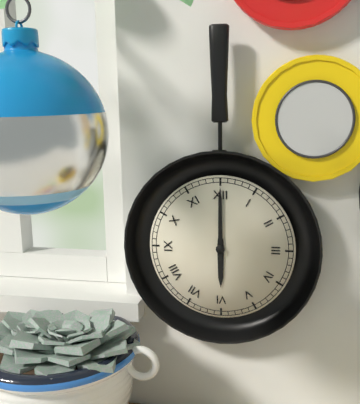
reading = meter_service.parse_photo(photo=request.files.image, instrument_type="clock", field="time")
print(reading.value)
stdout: 6:00
